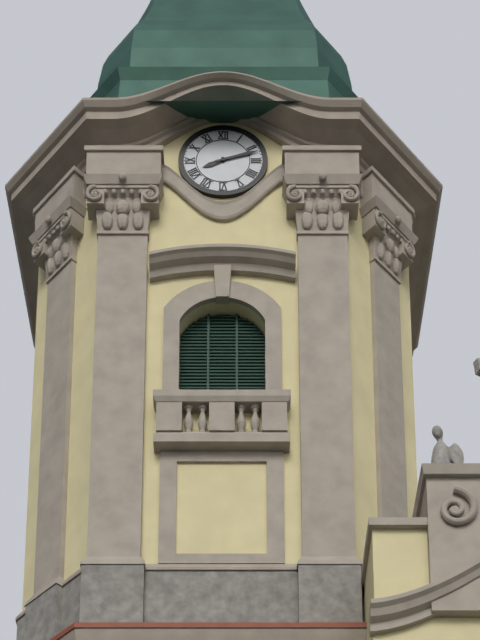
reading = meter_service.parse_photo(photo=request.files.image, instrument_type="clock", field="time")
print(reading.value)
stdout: 8:12
